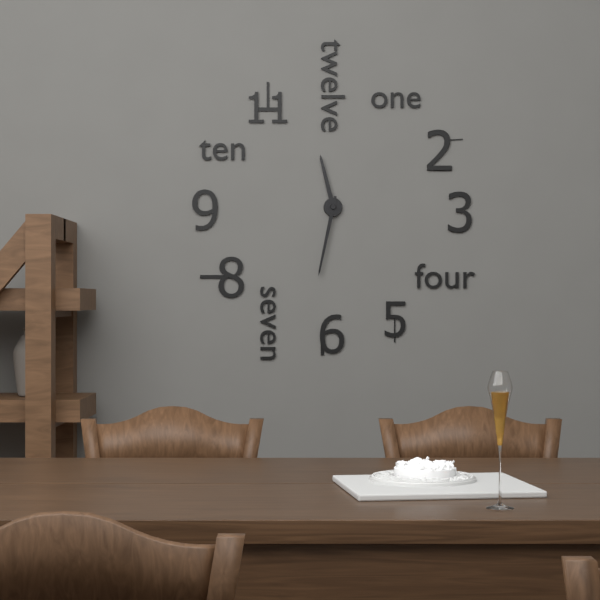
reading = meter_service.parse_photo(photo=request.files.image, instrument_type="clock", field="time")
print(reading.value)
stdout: 11:32
